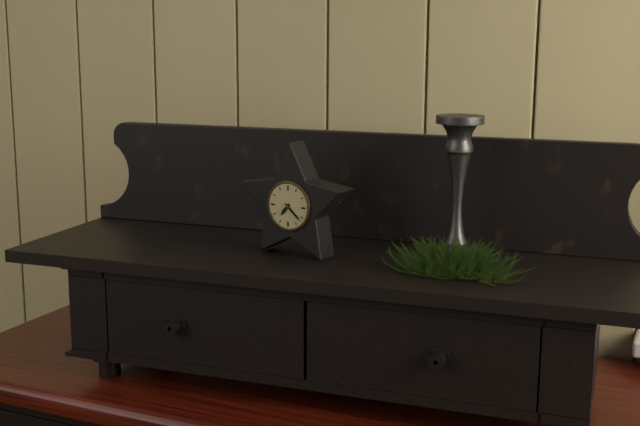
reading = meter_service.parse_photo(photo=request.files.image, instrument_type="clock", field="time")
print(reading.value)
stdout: 7:22
